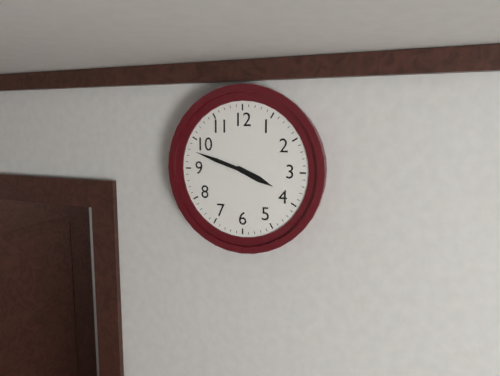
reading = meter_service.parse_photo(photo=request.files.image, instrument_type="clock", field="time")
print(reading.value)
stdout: 3:48
